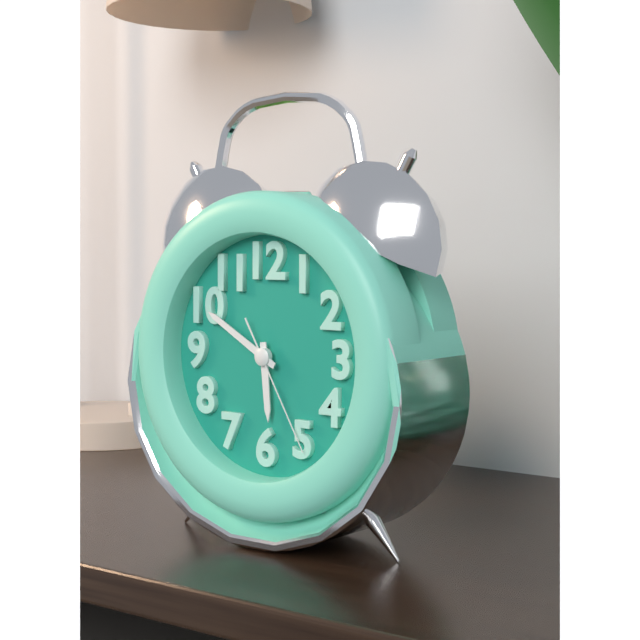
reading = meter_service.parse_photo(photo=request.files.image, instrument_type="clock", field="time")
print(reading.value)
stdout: 5:50:25
